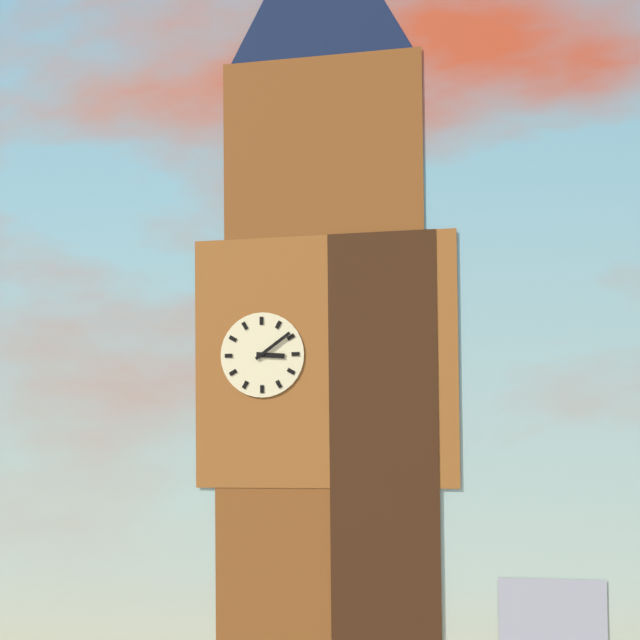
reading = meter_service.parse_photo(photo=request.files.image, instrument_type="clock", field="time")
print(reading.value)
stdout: 3:09
